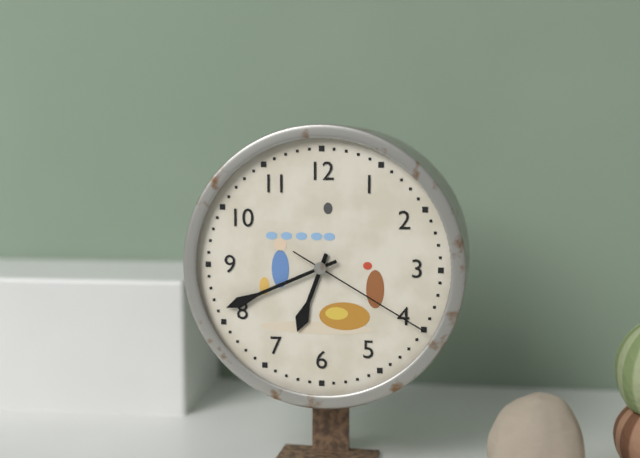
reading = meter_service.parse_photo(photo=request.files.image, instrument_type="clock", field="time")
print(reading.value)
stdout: 6:41:20
